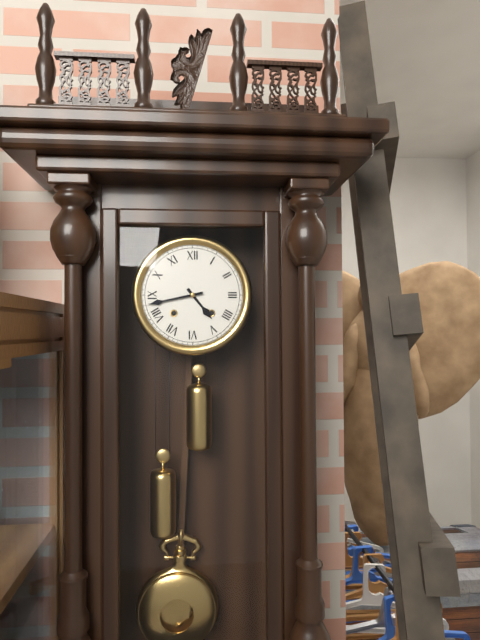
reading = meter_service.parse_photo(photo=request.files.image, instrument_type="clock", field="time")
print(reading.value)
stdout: 4:43
